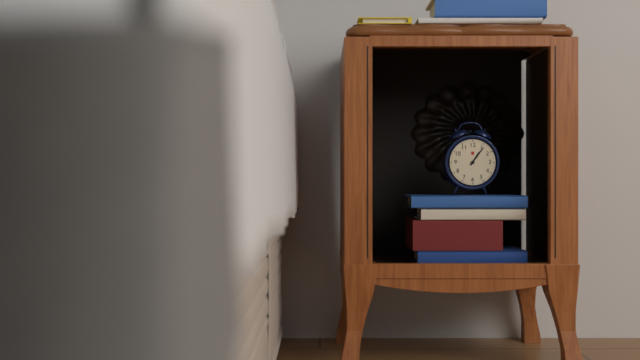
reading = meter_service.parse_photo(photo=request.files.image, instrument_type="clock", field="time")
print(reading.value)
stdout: 1:06
